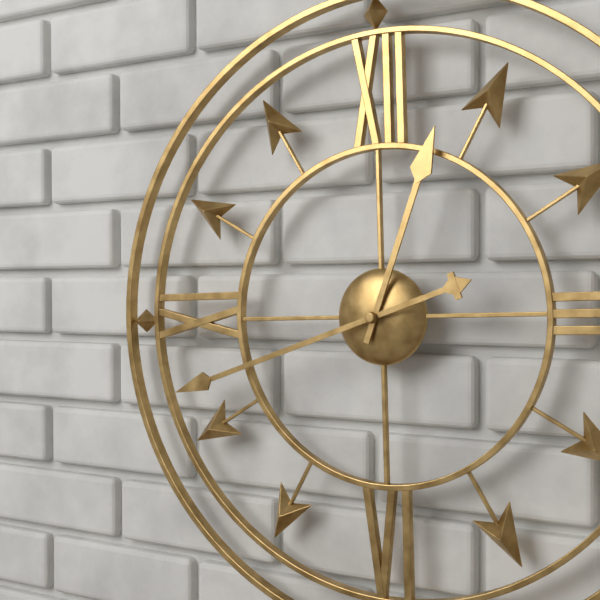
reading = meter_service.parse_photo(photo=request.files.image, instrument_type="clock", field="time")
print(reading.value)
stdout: 12:42
